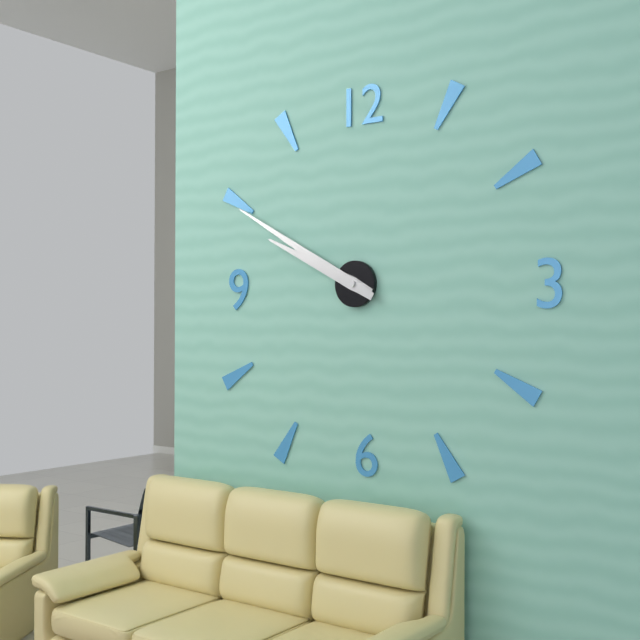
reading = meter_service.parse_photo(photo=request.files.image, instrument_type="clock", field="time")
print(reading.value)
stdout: 9:50
